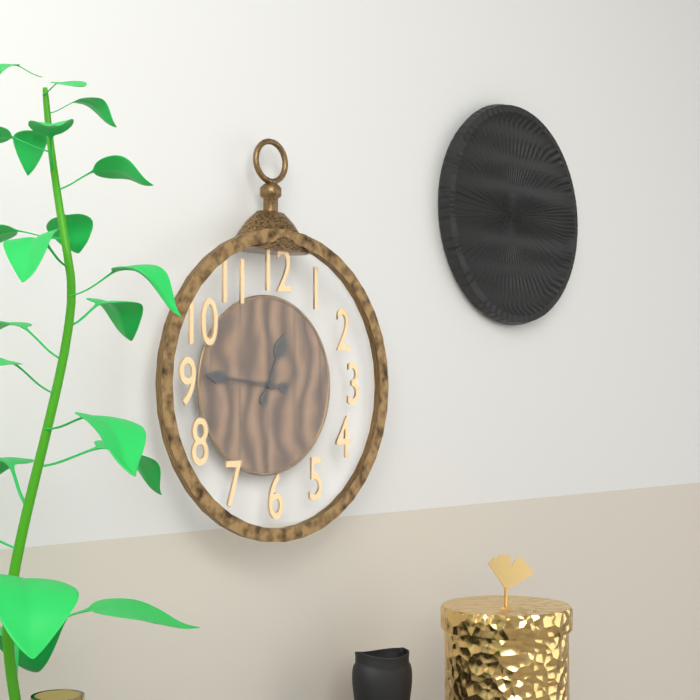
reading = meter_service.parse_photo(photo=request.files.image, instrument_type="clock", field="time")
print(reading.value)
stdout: 12:46
